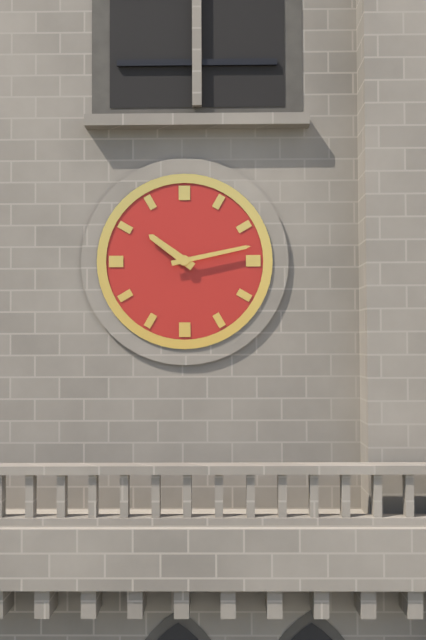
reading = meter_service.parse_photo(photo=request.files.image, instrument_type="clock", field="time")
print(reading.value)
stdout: 10:13
